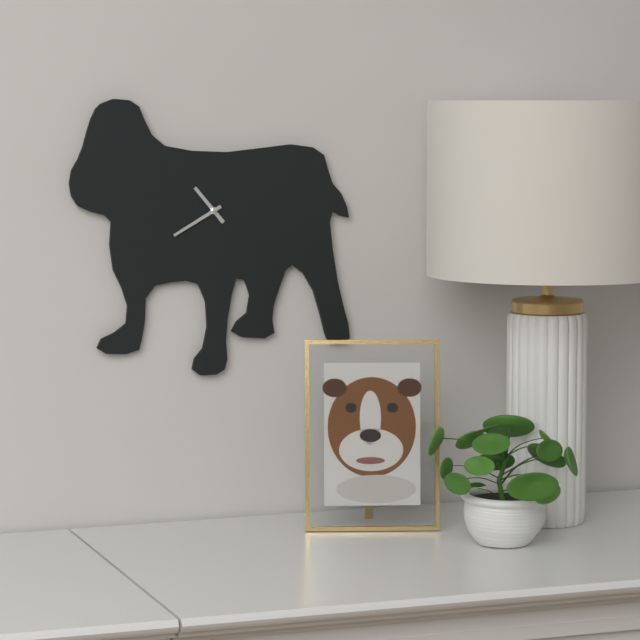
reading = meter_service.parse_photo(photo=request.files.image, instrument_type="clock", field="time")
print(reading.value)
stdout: 10:40
